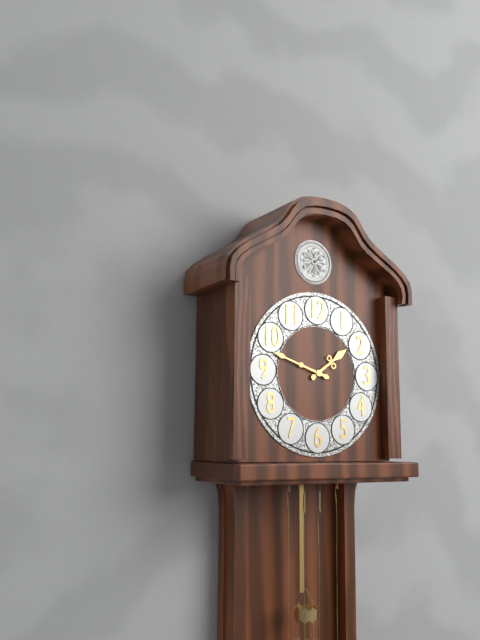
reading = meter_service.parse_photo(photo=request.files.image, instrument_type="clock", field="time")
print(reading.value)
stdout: 1:48
